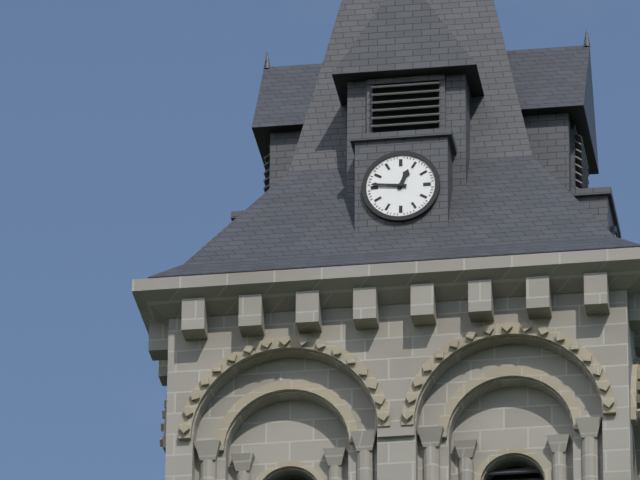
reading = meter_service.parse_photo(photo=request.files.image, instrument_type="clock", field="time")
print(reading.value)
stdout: 12:46
